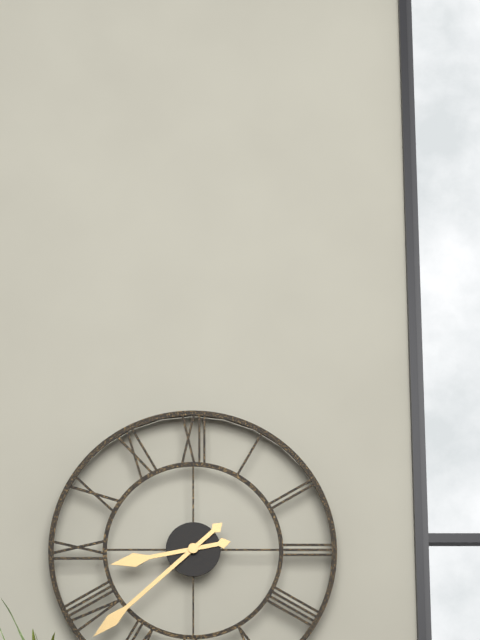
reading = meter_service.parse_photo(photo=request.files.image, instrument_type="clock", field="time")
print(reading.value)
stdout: 8:38
